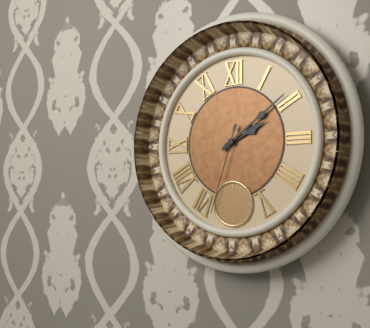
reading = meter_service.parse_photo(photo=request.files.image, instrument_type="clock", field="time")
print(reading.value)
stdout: 2:09:33
